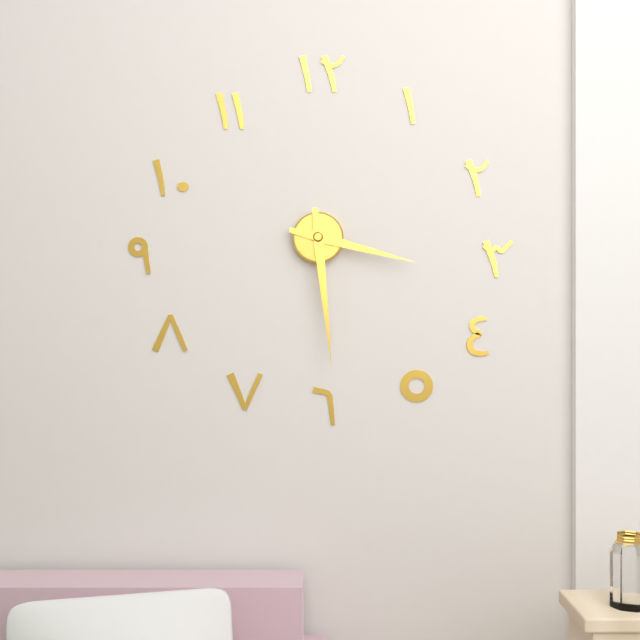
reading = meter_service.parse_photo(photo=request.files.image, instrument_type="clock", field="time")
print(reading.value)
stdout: 3:29
